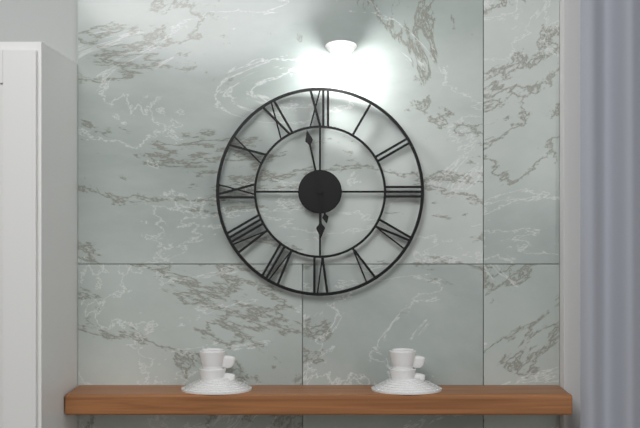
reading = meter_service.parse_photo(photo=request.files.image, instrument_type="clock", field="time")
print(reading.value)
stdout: 5:58
